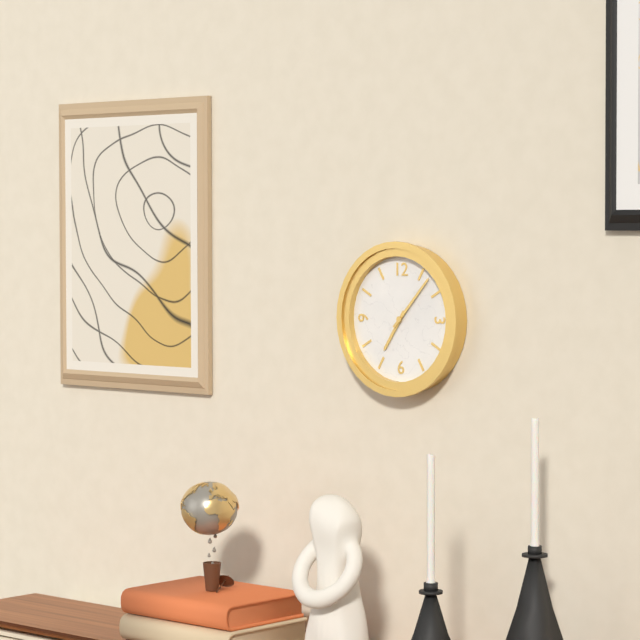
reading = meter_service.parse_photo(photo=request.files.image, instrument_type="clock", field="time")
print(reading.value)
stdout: 7:07
